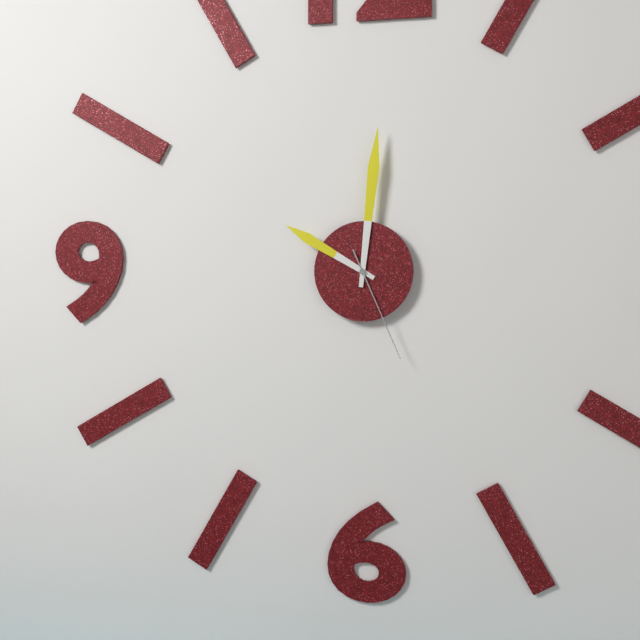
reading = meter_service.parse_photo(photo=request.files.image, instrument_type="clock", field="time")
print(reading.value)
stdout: 10:01:26
